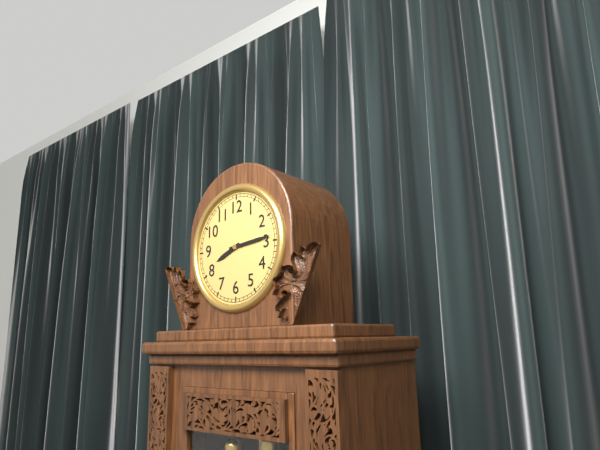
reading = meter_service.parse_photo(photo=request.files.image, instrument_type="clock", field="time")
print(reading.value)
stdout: 8:14
